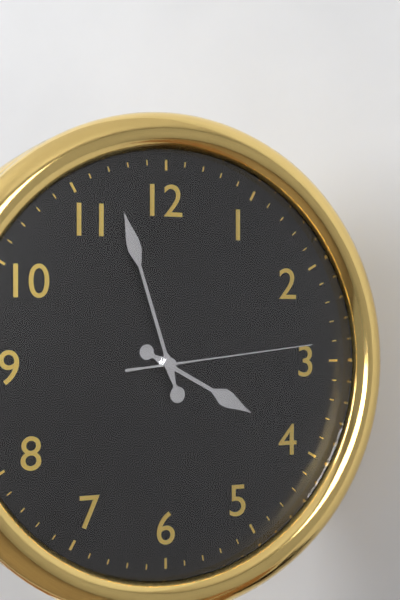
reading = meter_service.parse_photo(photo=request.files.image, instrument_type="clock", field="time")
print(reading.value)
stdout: 3:57:14
